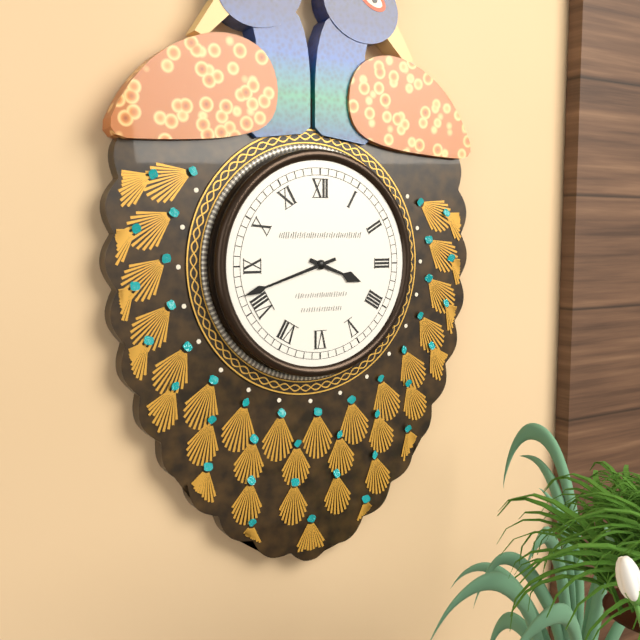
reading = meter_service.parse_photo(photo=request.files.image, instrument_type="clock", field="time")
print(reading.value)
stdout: 3:42
